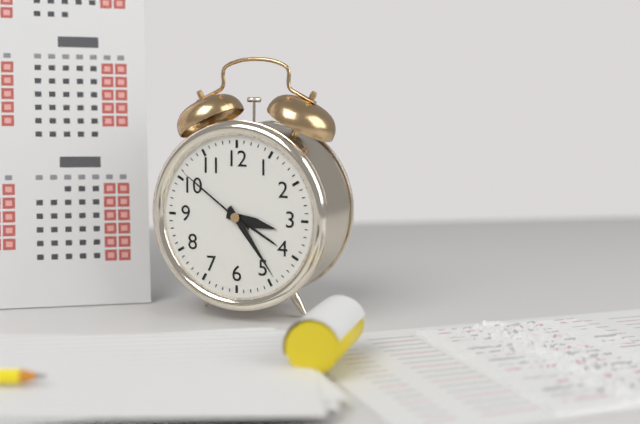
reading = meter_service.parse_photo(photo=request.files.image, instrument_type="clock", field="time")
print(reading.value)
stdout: 3:24:51
